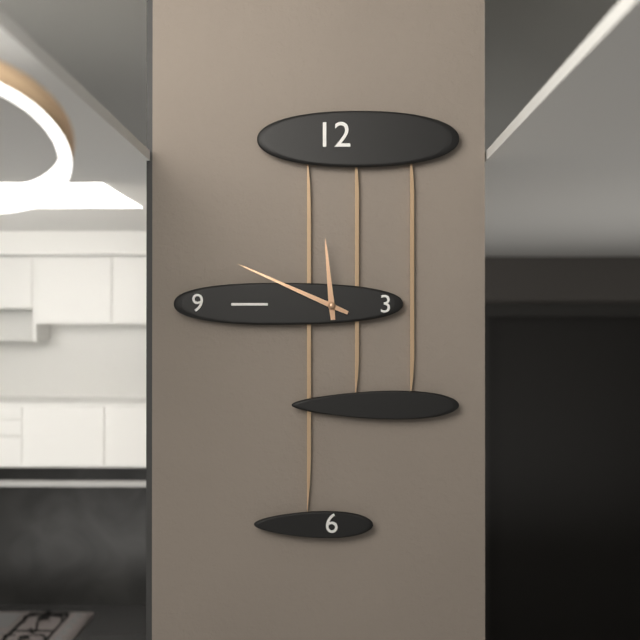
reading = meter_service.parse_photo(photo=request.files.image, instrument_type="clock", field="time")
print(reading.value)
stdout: 11:49
